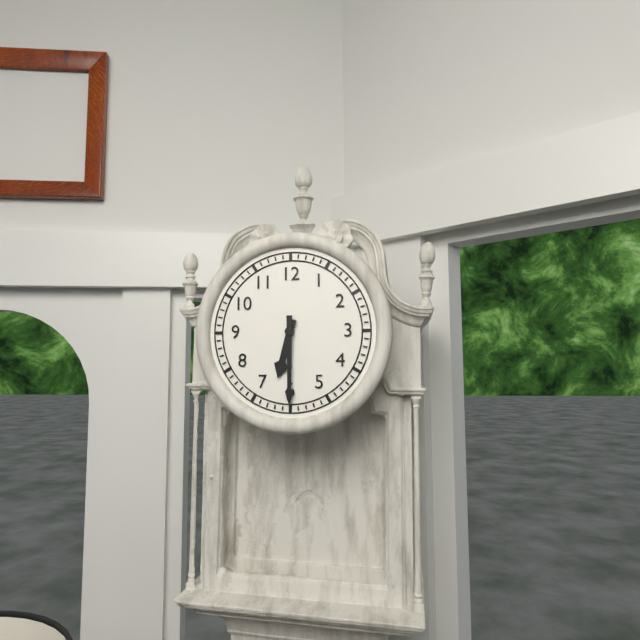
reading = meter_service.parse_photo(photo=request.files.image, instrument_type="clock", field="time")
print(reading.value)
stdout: 6:30
